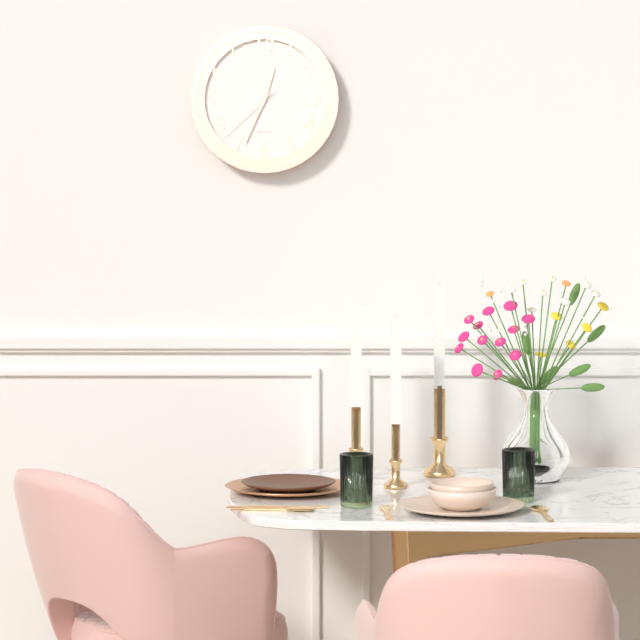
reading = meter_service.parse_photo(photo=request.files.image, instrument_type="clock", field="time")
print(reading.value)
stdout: 12:34:38
